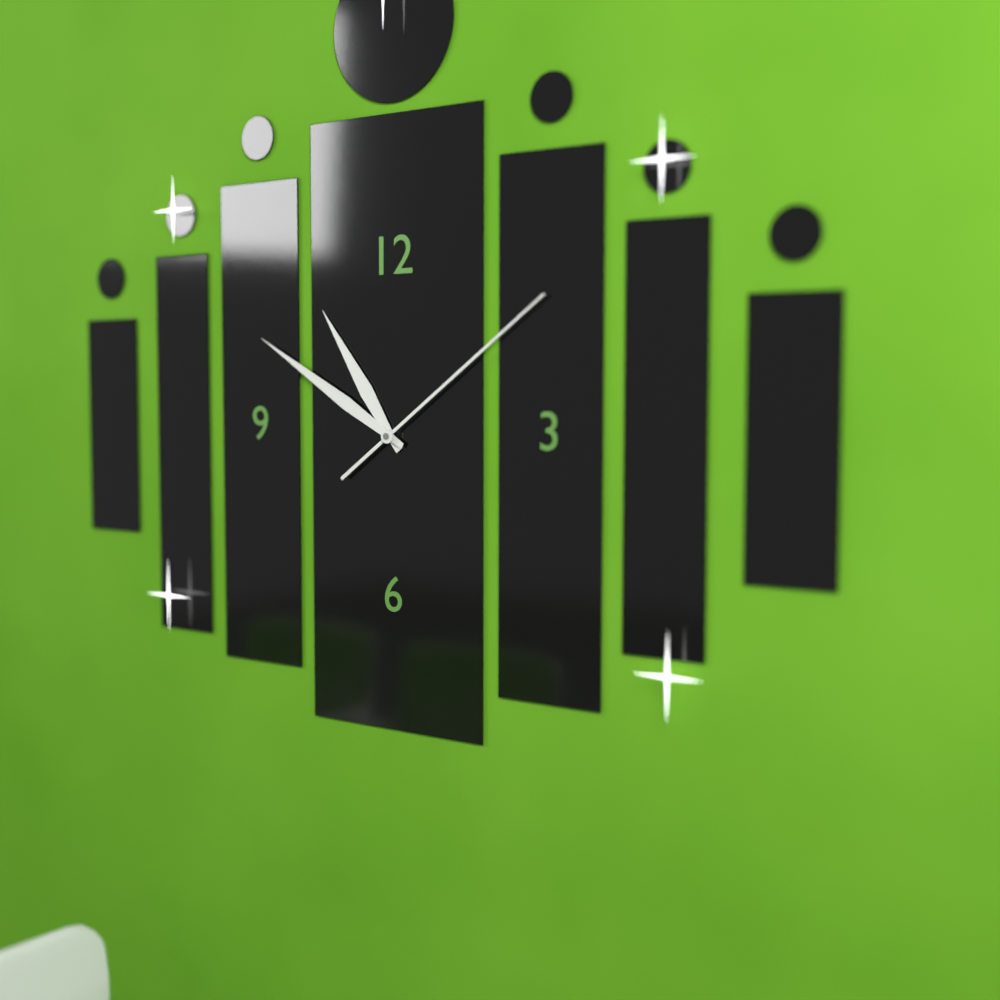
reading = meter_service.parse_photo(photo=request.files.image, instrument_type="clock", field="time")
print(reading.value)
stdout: 10:50:09
